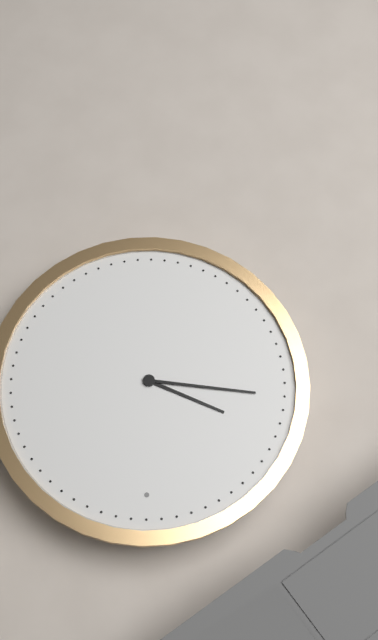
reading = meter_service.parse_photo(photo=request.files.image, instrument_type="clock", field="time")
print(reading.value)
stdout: 9:46
